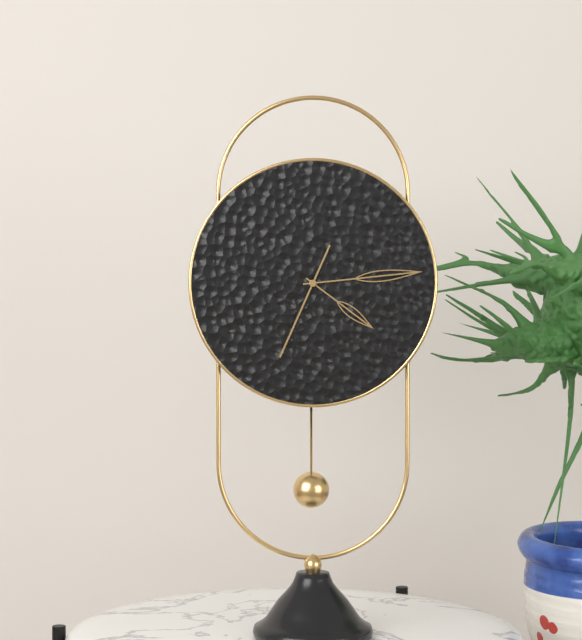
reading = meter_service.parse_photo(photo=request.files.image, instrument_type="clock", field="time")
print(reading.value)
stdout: 4:14:34
